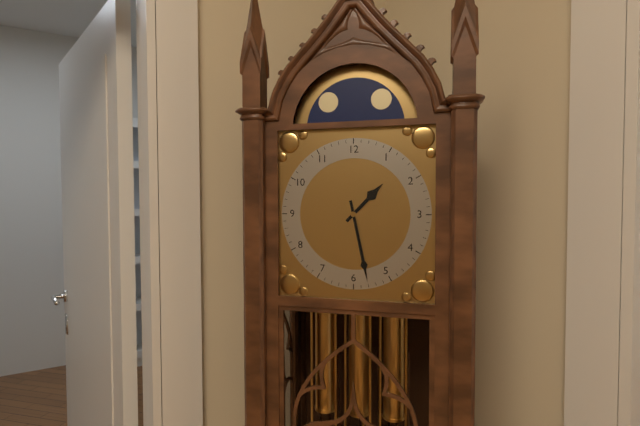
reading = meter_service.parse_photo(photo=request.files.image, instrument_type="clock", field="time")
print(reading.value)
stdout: 1:28
